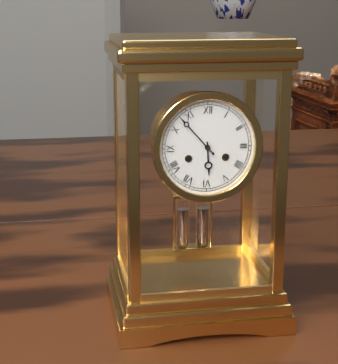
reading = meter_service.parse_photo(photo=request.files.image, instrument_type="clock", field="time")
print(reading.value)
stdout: 5:53
